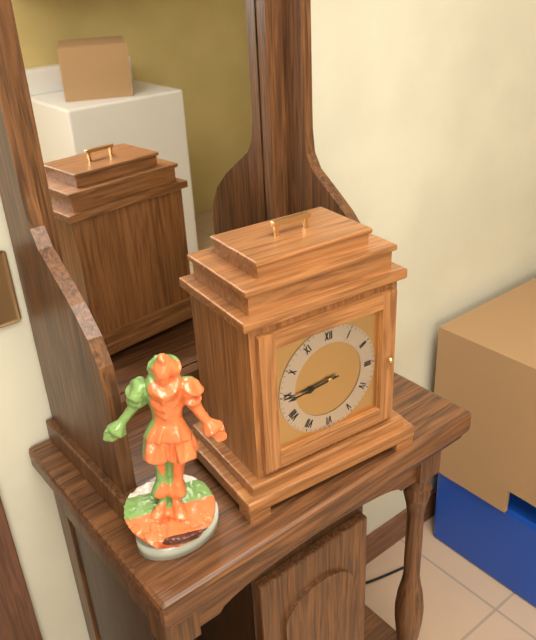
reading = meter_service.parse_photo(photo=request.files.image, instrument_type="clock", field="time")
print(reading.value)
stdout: 8:44
